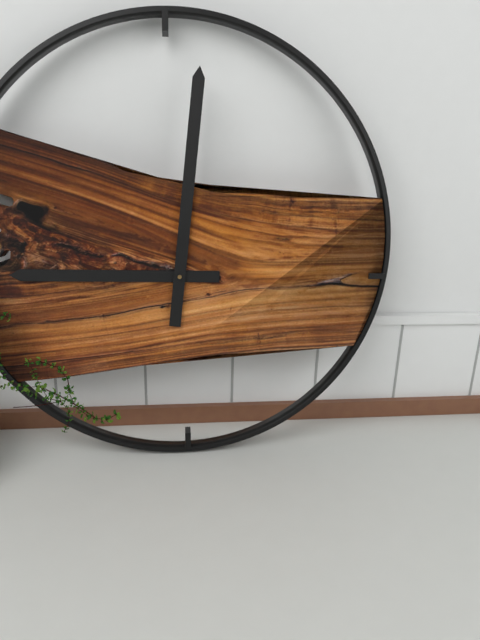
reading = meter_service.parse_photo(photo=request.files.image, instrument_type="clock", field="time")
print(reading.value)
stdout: 9:01
